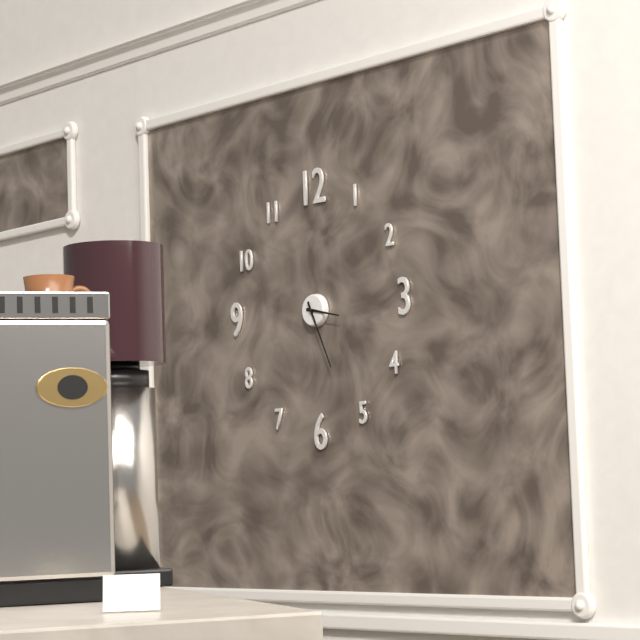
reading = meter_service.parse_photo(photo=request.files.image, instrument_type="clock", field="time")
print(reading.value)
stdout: 3:26
